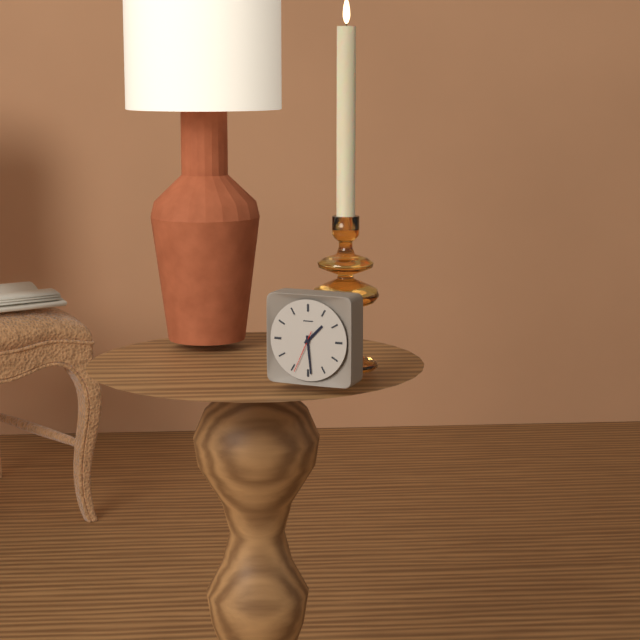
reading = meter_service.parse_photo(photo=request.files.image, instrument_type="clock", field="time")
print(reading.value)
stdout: 1:29:34
